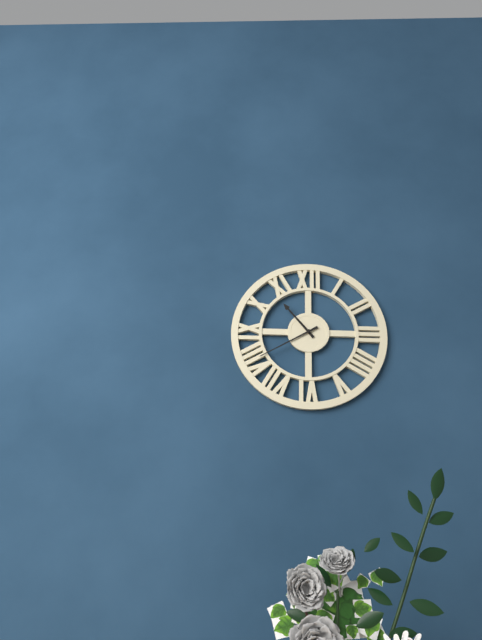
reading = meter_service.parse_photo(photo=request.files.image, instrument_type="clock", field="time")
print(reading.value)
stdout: 10:40
